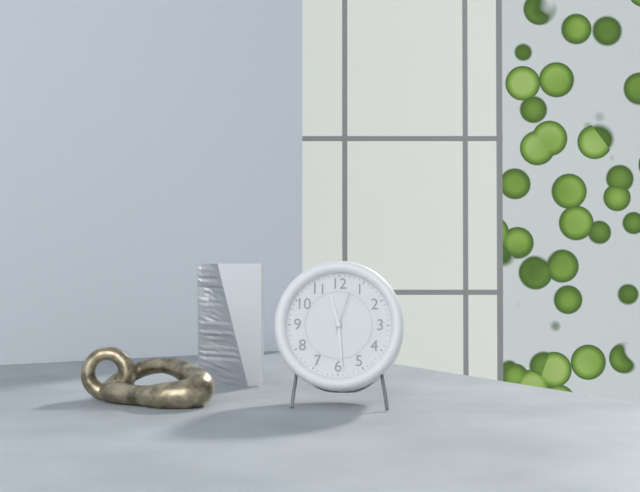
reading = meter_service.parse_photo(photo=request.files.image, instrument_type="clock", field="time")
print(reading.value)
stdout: 11:29
